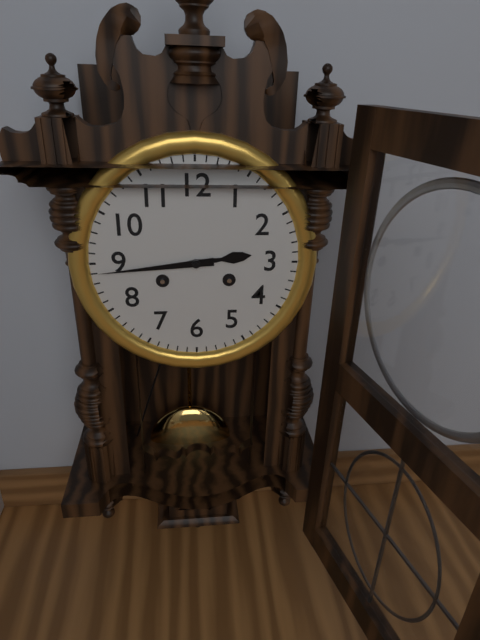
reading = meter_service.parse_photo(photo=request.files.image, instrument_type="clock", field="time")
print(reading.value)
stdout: 2:44
